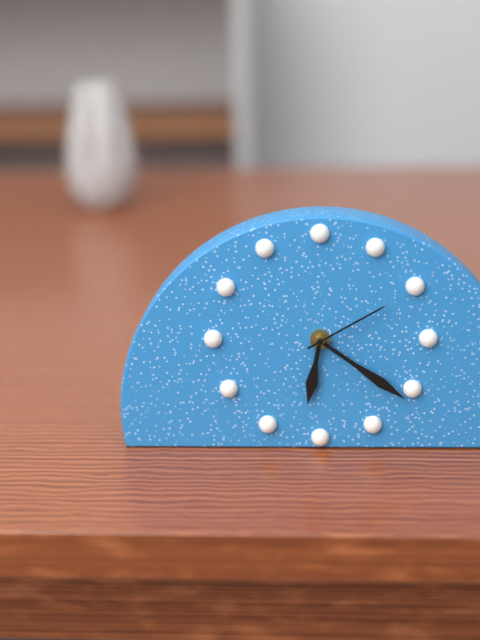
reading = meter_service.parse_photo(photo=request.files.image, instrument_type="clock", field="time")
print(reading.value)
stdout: 6:21:10
